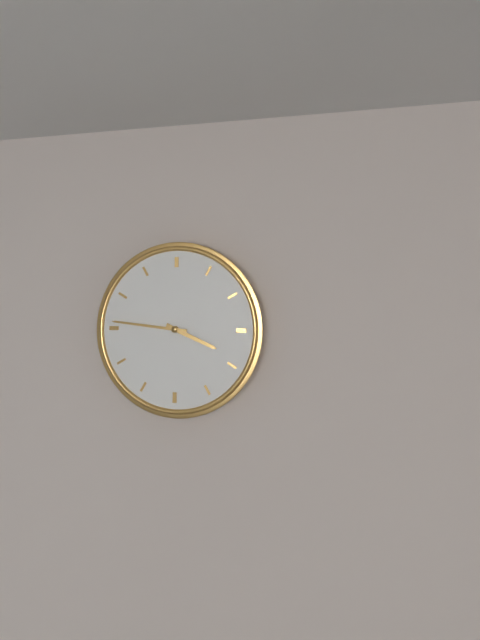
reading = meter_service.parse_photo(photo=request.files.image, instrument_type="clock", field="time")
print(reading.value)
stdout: 3:46
